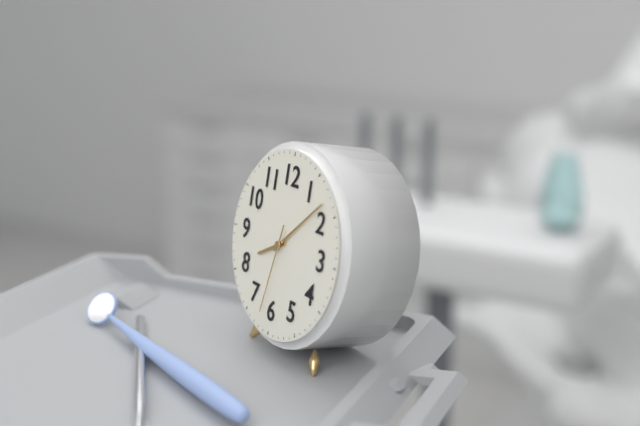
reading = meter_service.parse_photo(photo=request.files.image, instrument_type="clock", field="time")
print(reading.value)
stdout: 8:08:32
